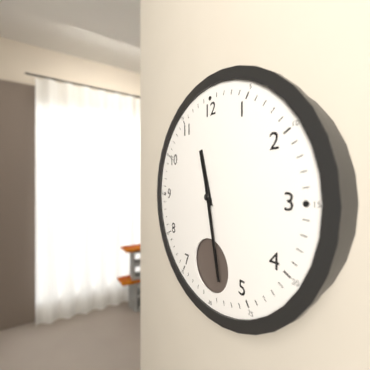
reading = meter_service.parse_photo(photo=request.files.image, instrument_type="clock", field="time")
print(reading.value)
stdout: 11:28
